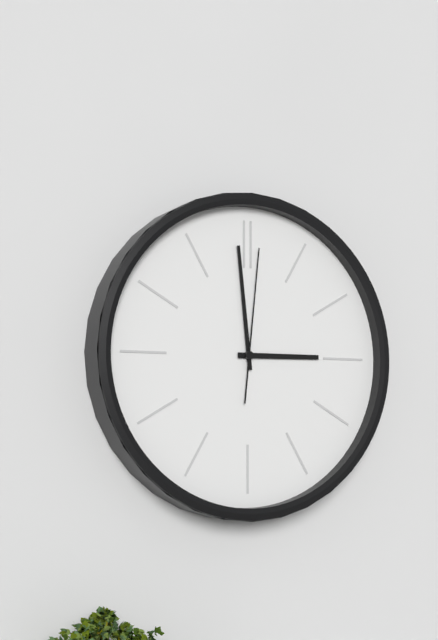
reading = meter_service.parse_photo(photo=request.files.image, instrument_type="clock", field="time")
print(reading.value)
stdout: 2:59:01
